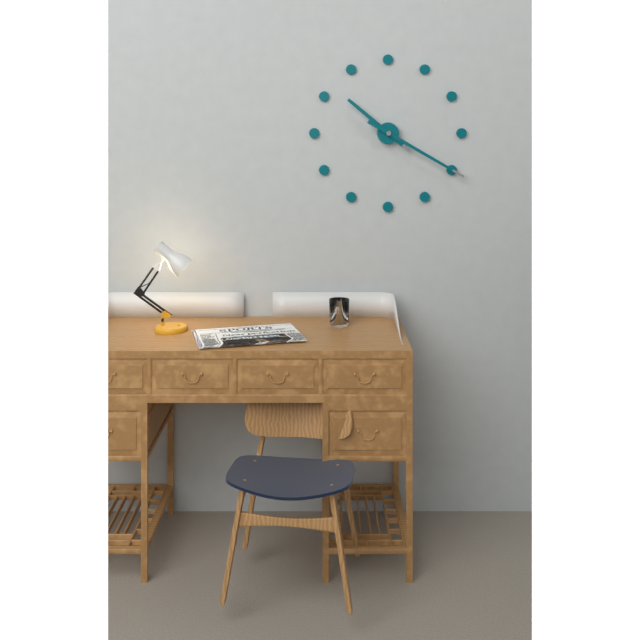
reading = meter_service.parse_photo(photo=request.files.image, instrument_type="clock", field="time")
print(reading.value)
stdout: 10:20
